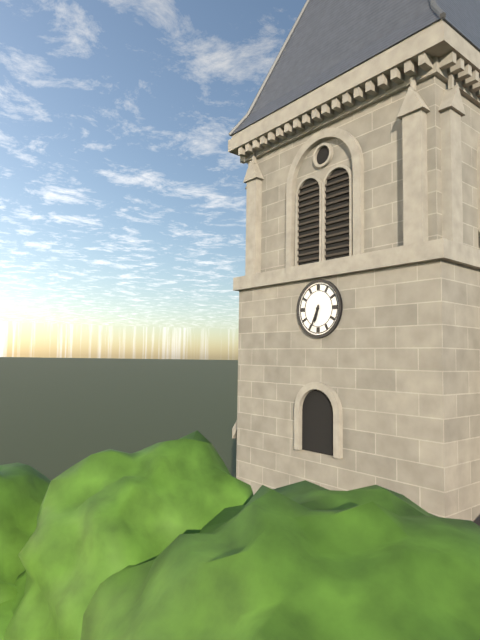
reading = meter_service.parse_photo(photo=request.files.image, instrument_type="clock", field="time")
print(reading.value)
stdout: 6:34
